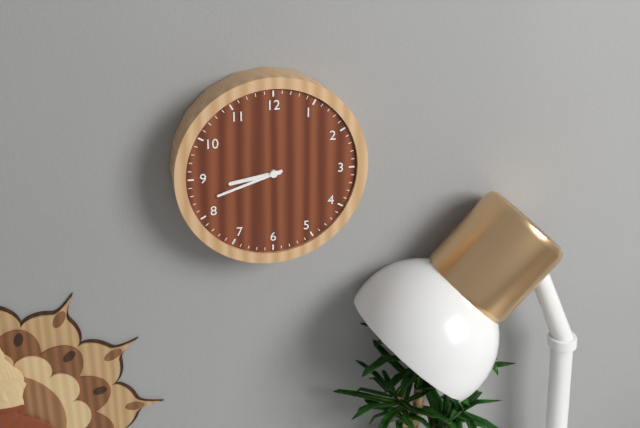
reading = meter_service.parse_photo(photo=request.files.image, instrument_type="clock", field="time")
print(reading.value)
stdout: 8:42
